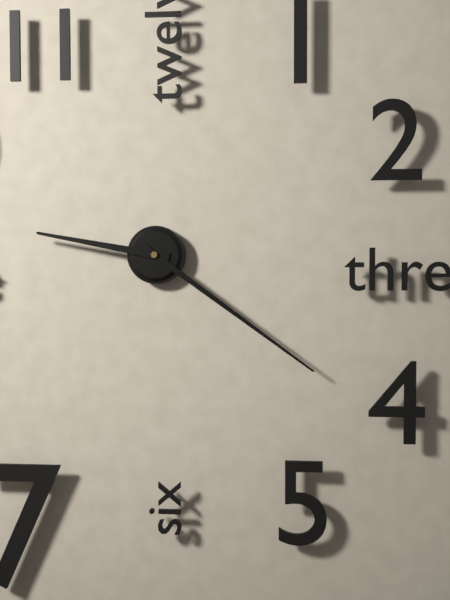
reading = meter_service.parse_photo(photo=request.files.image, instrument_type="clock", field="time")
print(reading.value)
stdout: 9:21
